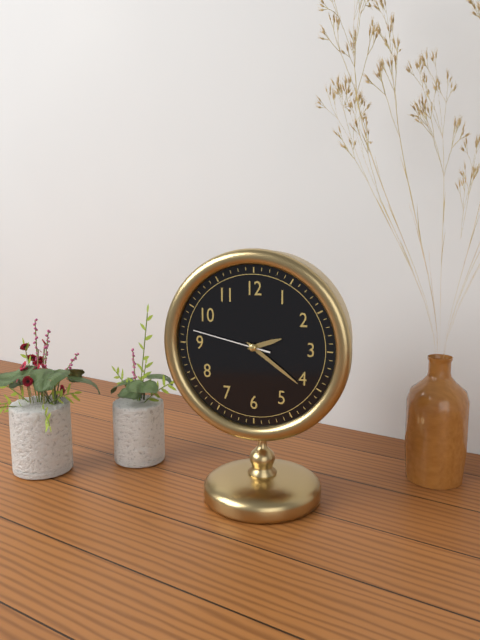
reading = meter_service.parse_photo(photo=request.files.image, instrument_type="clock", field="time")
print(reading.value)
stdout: 2:21:47
